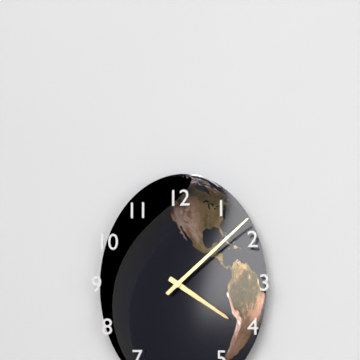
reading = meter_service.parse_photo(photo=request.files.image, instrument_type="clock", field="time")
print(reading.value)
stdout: 4:08
